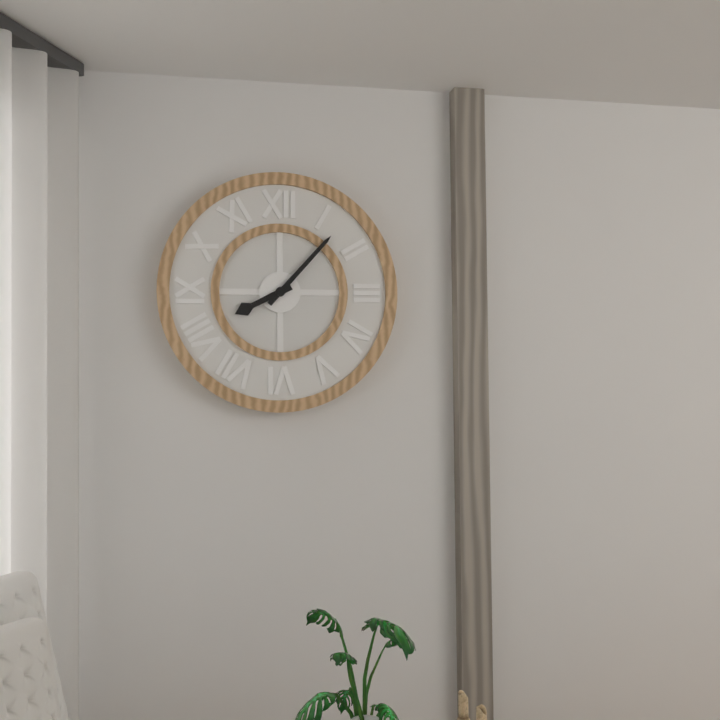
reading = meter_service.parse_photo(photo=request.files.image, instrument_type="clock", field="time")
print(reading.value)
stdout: 8:07
